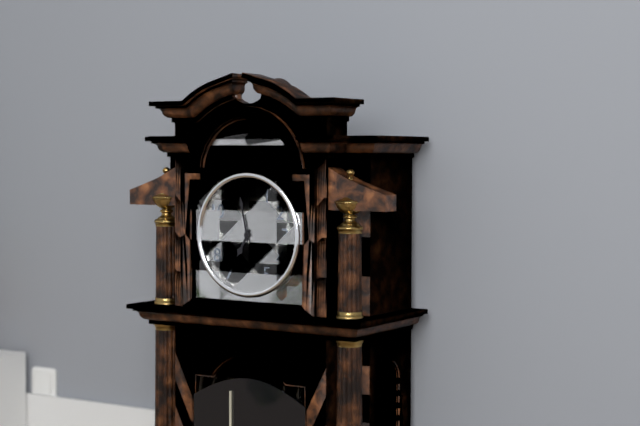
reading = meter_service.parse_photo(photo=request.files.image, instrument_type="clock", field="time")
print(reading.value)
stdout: 6:58
